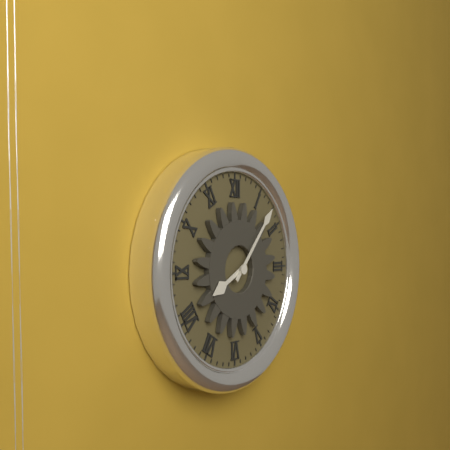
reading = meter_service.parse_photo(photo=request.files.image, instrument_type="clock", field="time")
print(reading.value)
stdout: 8:07
